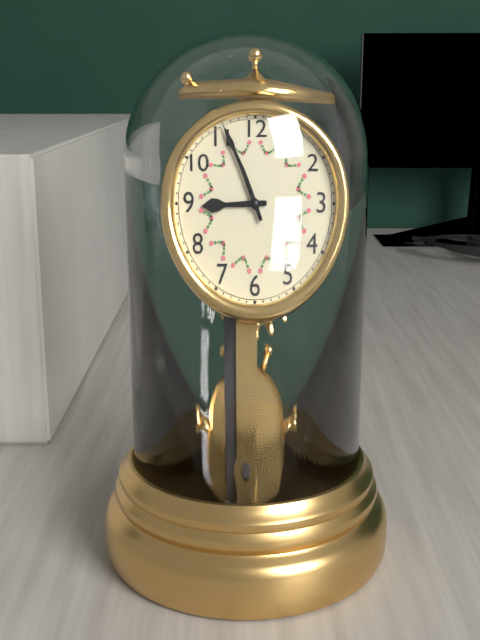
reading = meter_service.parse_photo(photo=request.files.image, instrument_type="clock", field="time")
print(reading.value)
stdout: 8:56
